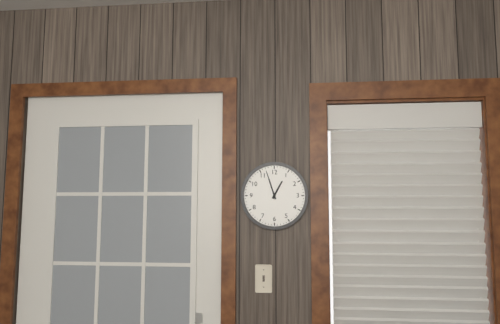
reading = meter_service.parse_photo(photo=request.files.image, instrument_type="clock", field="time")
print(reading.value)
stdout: 12:57
